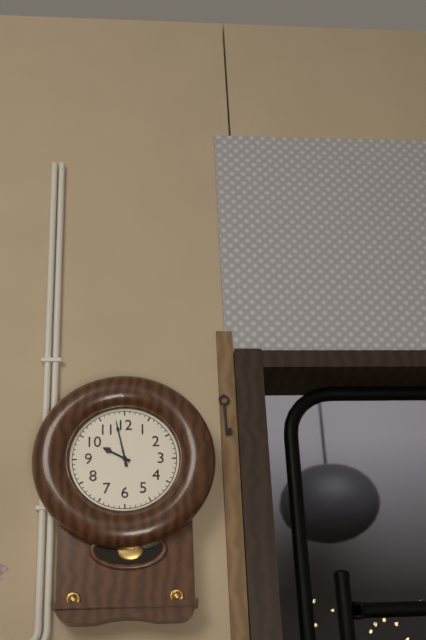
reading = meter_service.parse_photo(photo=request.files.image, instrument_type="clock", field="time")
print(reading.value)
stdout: 9:58
